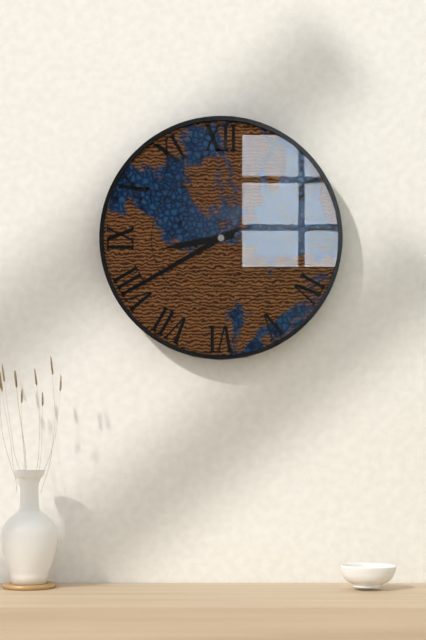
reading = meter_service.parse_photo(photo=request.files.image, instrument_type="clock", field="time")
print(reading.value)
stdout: 8:40
